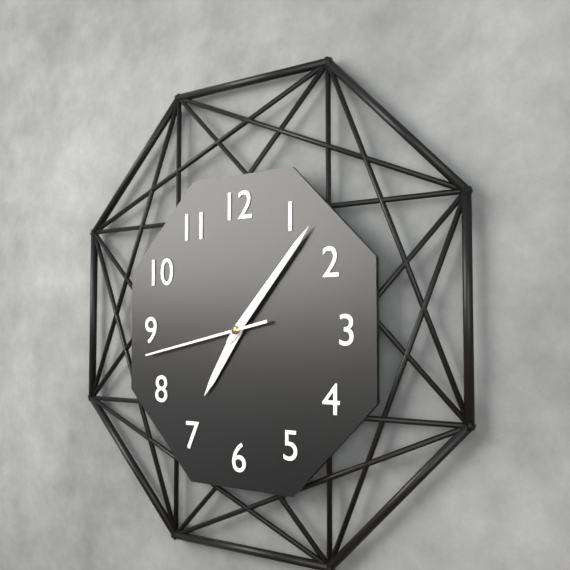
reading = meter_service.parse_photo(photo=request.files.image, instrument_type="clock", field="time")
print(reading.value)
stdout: 7:07:43
